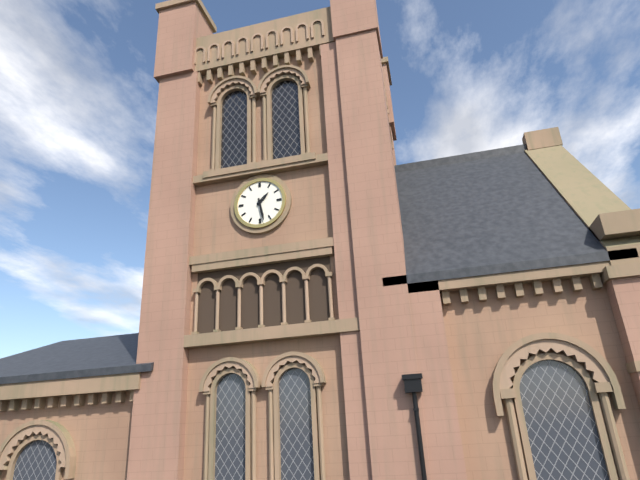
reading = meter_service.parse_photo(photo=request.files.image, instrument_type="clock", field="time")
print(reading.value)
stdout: 1:28
